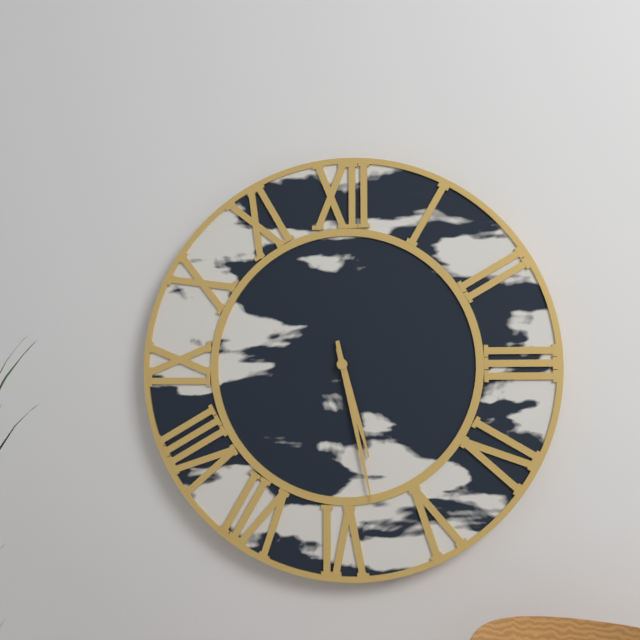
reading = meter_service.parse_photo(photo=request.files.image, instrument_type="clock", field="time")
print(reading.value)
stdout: 5:28
